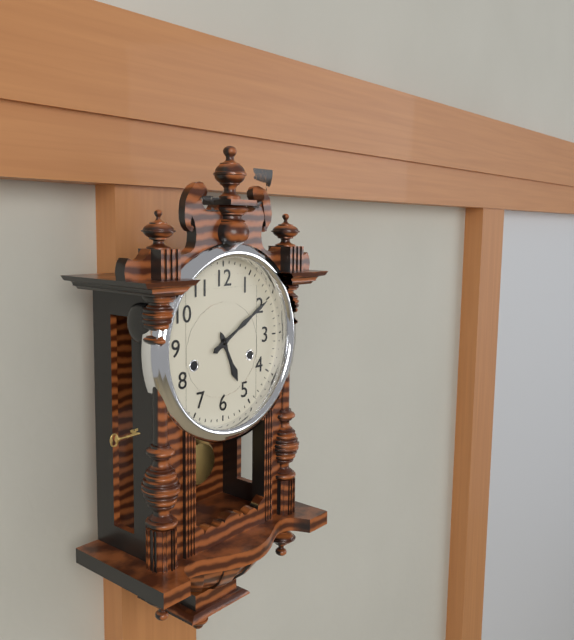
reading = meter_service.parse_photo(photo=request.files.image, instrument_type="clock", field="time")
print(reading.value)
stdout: 5:10
